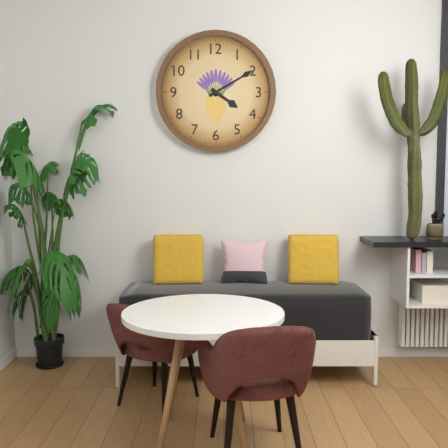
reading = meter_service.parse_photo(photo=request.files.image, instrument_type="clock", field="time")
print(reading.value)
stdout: 4:10
